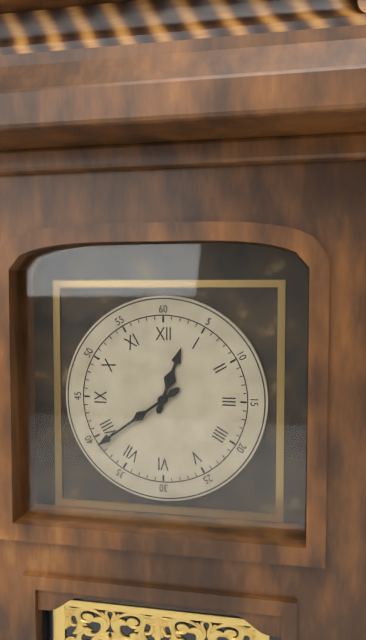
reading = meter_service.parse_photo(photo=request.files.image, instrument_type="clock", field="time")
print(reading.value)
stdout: 12:39
